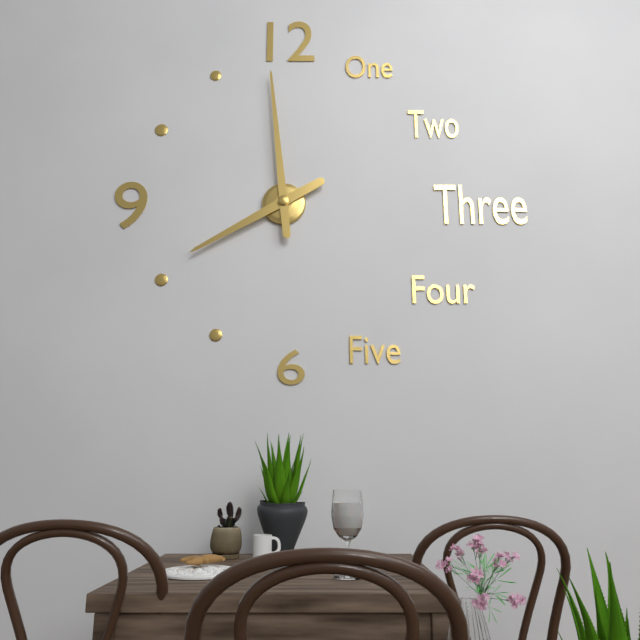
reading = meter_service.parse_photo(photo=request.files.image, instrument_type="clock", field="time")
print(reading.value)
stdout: 7:59
